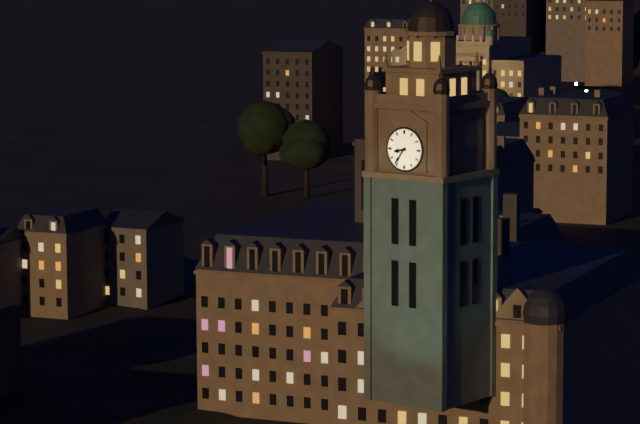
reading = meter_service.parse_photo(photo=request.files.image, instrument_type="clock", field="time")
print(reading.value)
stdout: 8:36
